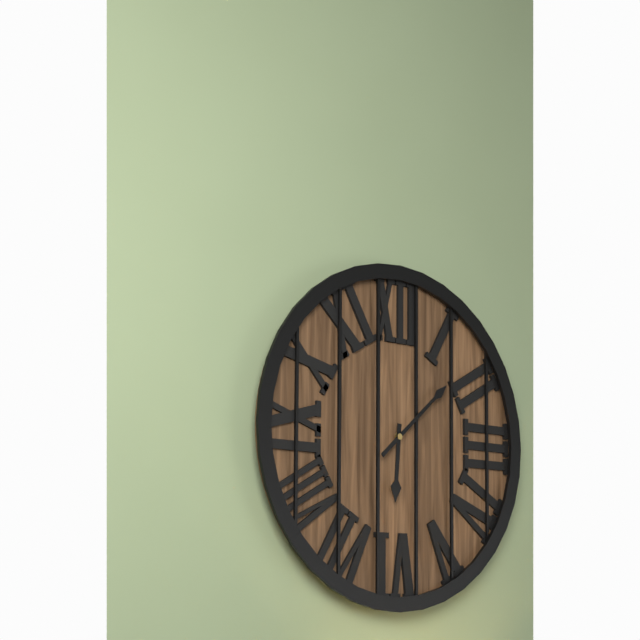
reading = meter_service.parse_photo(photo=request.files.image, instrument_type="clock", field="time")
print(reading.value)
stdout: 6:08
